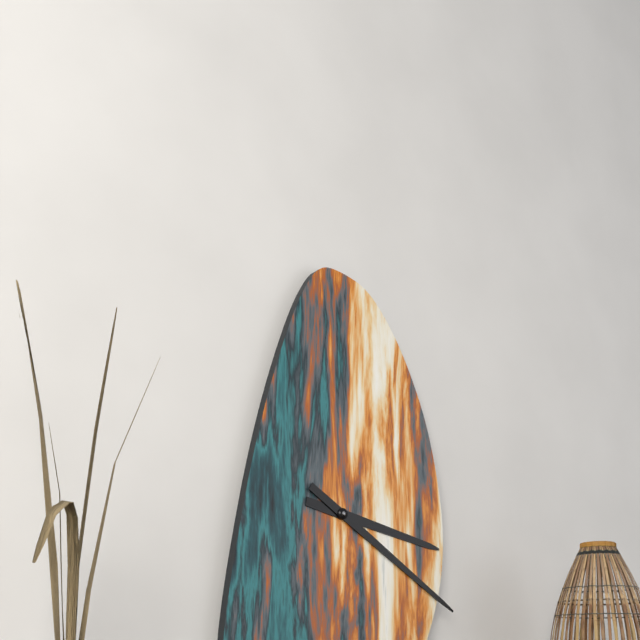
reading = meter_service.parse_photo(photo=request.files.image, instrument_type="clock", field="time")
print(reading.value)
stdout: 3:20
